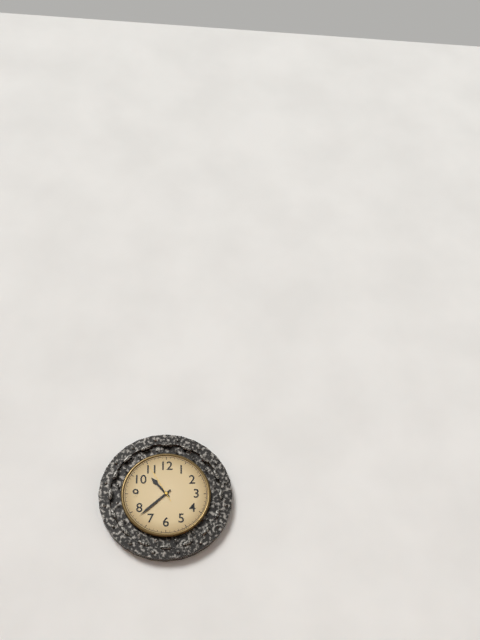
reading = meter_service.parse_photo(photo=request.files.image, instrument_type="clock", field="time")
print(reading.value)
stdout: 10:38
